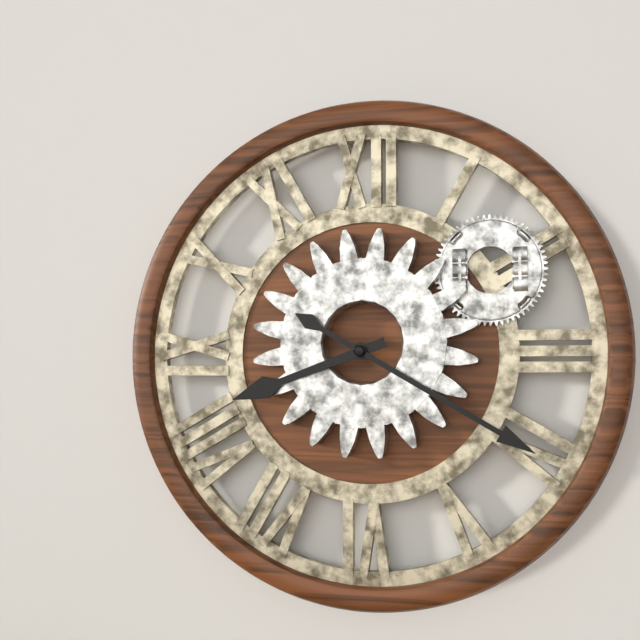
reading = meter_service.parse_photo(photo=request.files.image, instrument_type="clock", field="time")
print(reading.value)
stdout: 8:20
